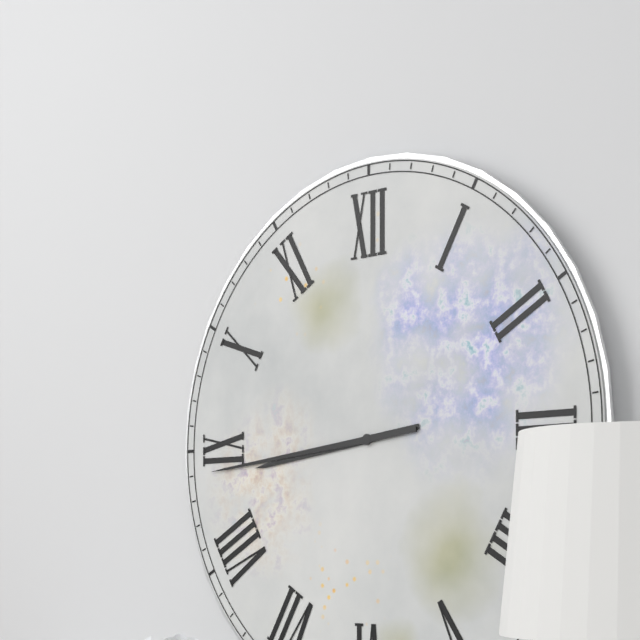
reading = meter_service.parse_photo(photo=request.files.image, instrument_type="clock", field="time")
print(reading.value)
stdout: 8:44
